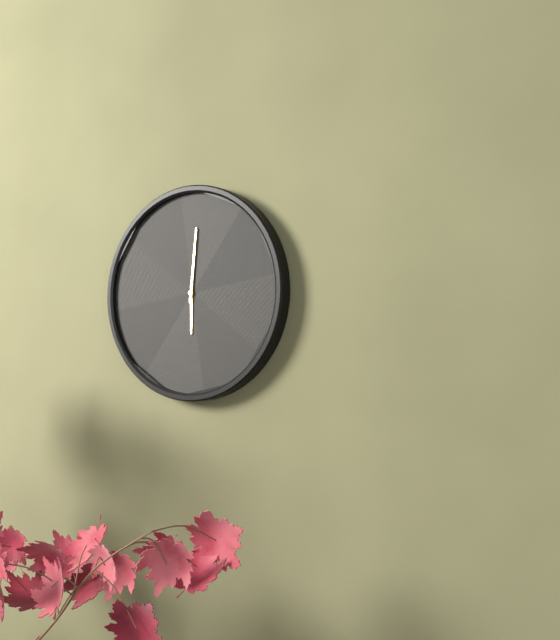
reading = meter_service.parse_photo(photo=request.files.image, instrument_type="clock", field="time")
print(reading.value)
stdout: 6:01
